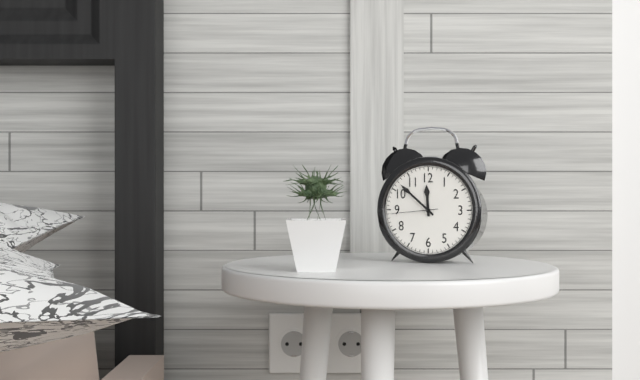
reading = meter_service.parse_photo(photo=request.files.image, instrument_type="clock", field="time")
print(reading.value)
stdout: 11:52
